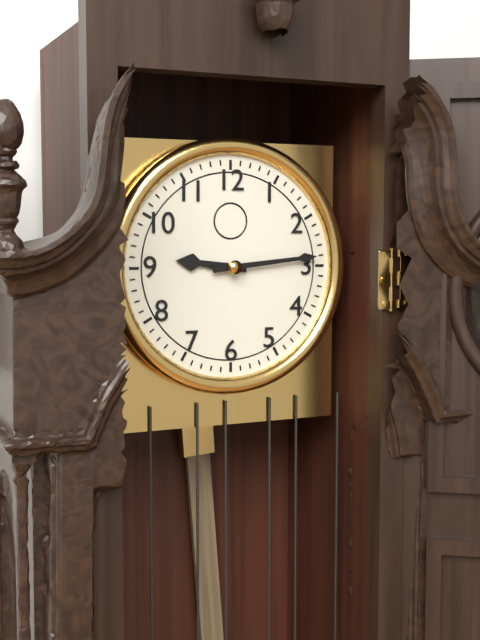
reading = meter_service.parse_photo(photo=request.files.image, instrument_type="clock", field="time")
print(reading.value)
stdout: 9:14
